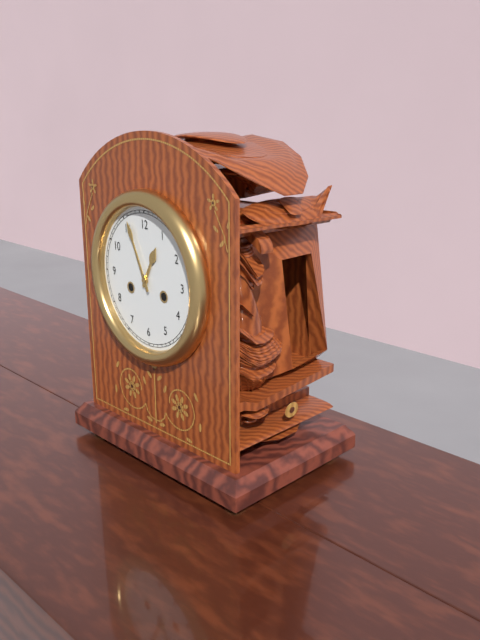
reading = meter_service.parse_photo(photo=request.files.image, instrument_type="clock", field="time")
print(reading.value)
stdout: 12:56
